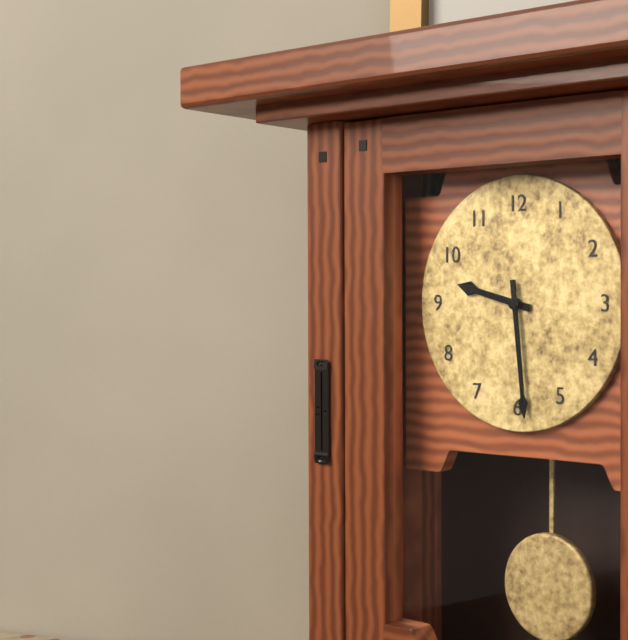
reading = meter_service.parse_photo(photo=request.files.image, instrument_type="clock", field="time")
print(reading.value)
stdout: 9:29
